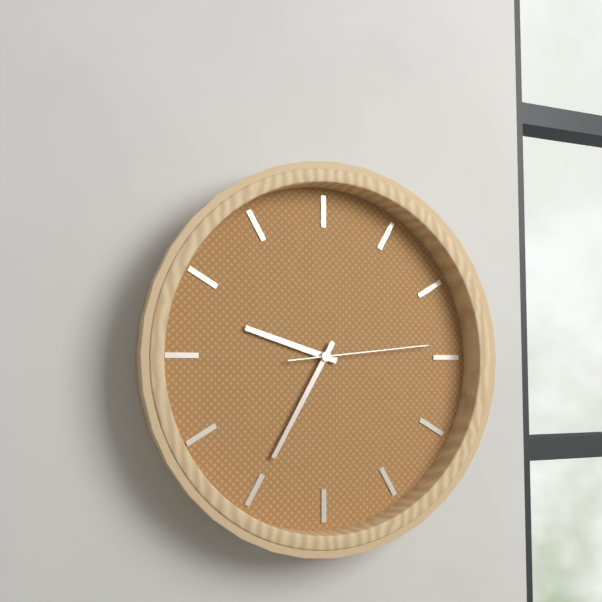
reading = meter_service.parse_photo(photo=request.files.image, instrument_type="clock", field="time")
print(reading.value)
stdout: 9:35:14
